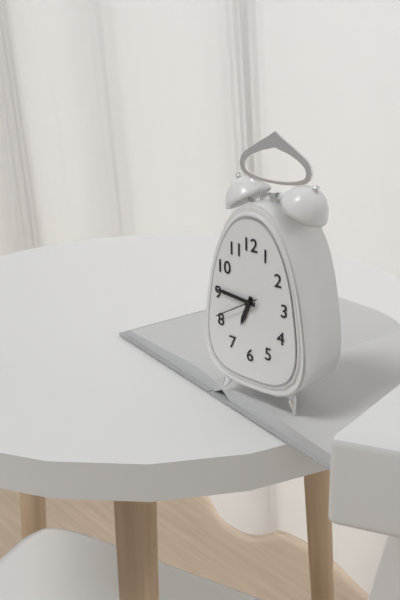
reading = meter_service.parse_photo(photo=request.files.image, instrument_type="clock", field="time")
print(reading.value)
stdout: 6:46
